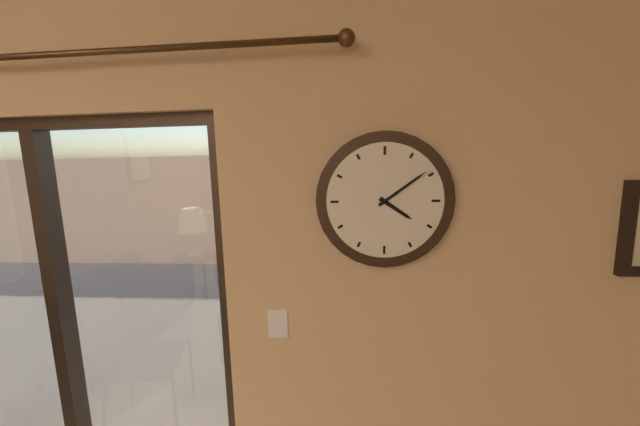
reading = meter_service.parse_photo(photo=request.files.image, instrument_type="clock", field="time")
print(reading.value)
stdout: 4:09
